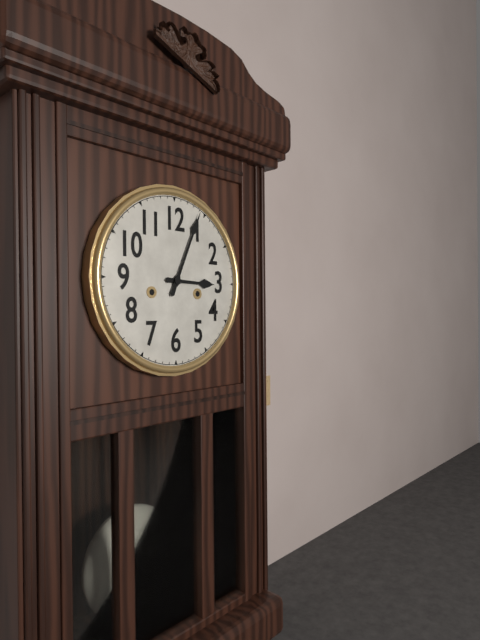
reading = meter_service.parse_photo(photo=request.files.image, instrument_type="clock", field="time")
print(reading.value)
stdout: 3:04
